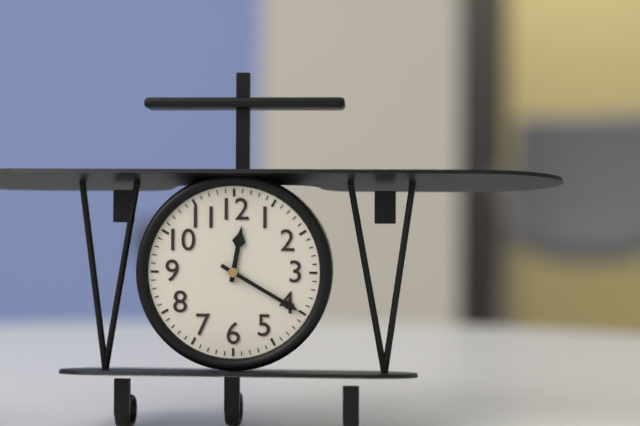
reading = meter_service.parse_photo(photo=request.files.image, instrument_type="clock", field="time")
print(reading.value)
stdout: 12:20
